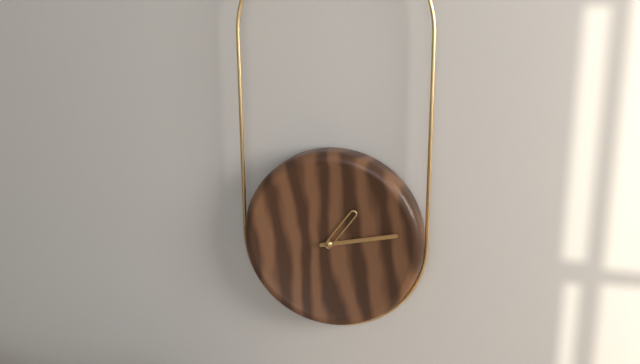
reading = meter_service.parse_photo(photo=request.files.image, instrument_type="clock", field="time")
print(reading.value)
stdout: 1:13
